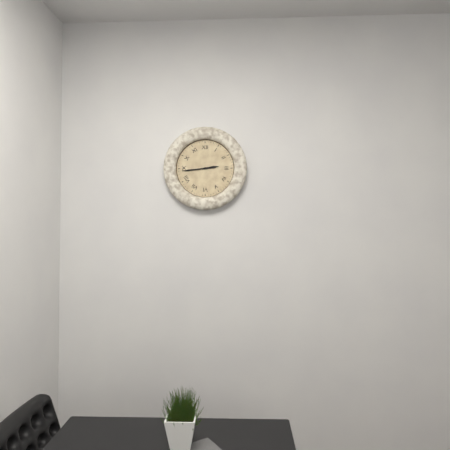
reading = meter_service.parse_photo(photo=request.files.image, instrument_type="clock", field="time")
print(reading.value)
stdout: 2:44
